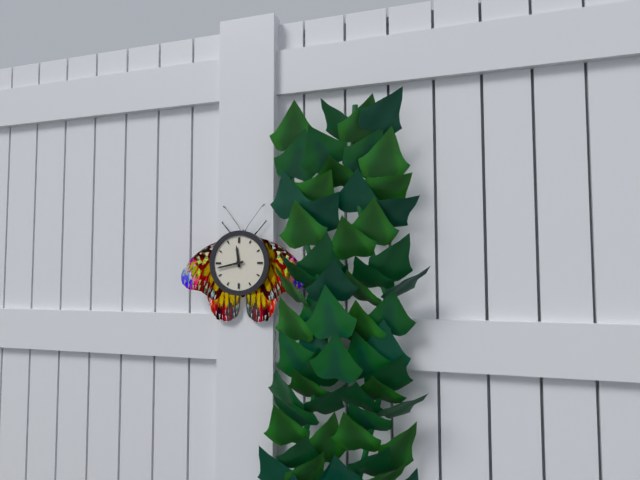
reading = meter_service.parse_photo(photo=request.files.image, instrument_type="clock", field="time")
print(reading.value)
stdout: 11:43
